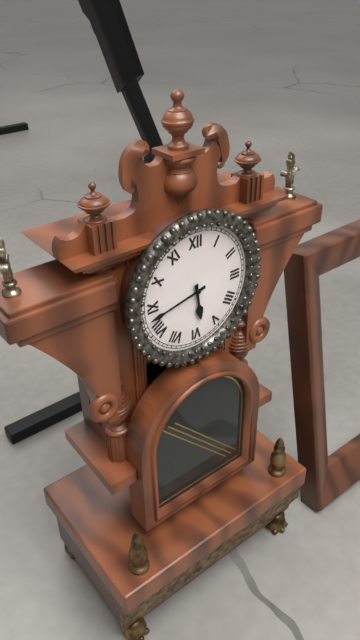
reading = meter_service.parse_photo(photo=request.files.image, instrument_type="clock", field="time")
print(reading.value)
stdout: 5:43
